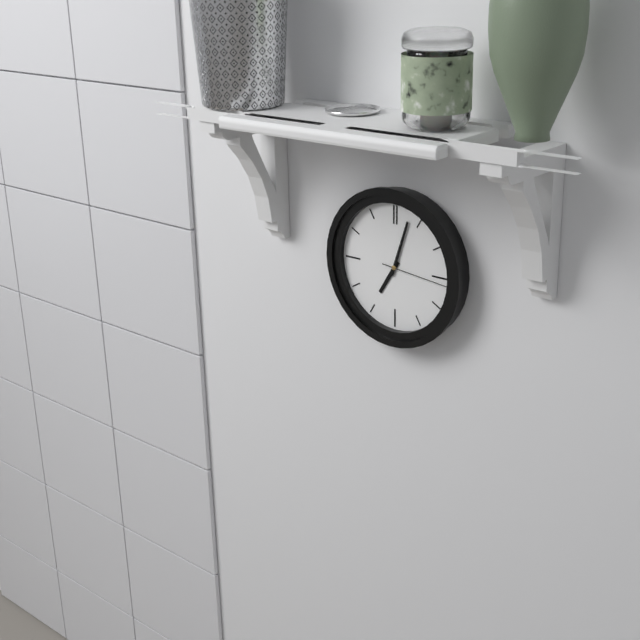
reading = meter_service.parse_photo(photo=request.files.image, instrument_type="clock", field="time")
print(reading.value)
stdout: 7:03:16
